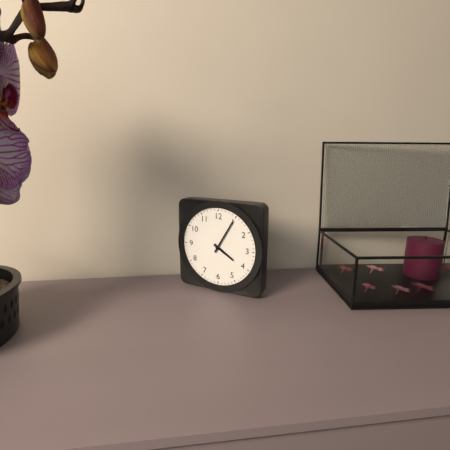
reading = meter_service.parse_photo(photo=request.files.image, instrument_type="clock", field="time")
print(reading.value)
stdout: 4:05
